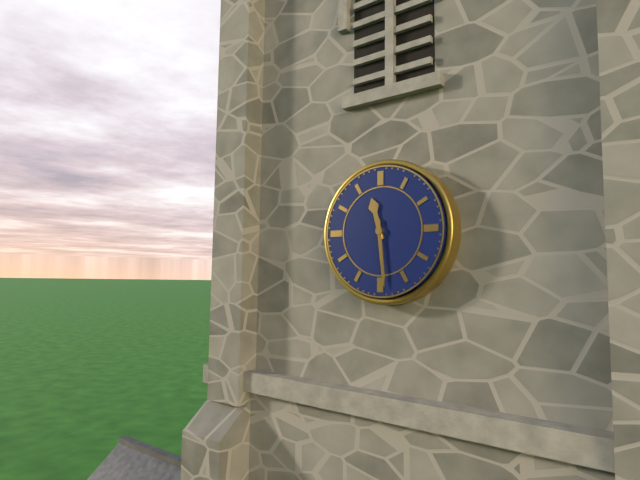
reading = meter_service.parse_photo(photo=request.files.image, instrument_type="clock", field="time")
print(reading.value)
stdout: 11:29
